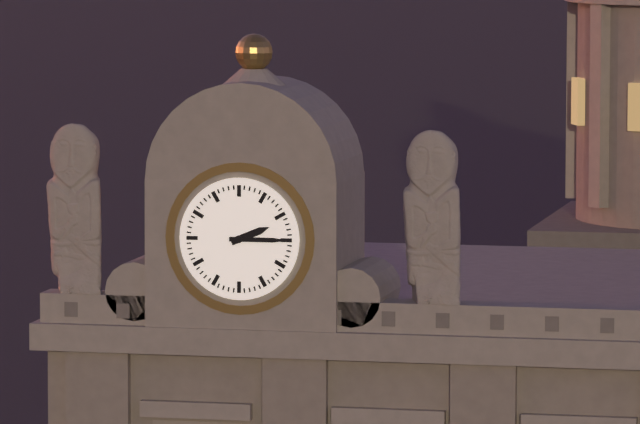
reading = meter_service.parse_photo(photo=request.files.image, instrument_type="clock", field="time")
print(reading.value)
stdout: 2:15
